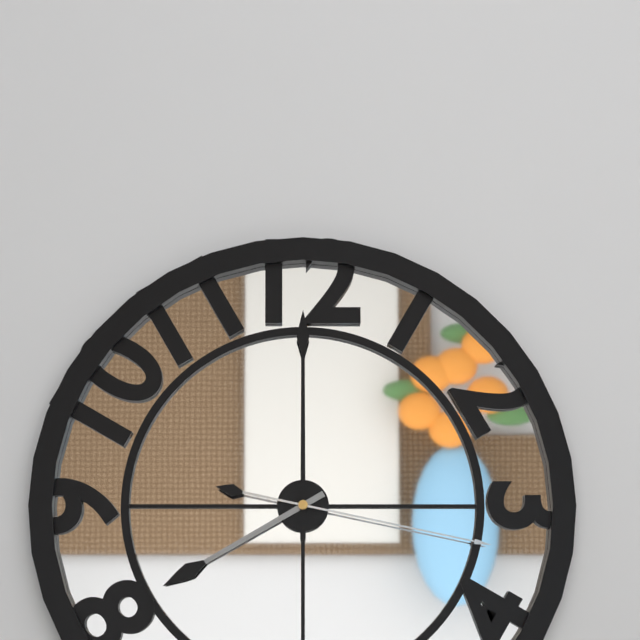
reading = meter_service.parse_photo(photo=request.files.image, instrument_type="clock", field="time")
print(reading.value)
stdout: 8:00:17
